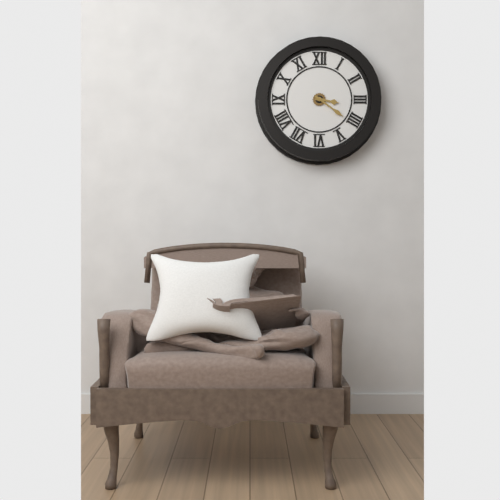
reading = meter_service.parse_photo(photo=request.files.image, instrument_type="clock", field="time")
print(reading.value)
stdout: 3:21
